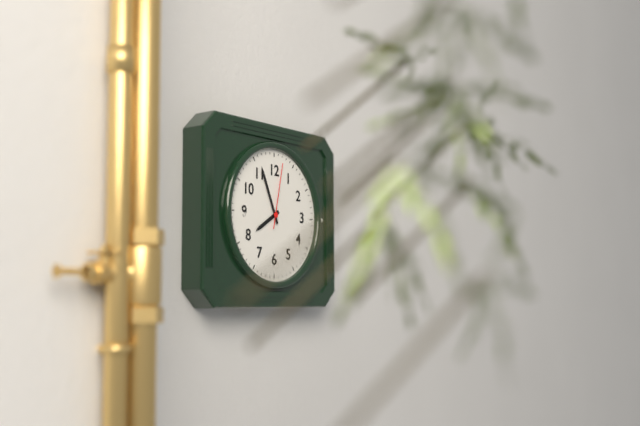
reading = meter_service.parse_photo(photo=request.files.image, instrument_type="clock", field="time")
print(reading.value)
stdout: 7:56:02
